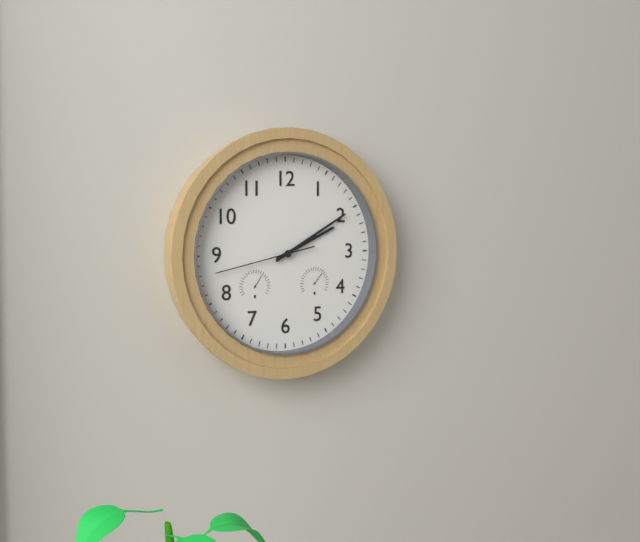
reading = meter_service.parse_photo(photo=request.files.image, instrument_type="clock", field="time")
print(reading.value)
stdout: 2:10:43
